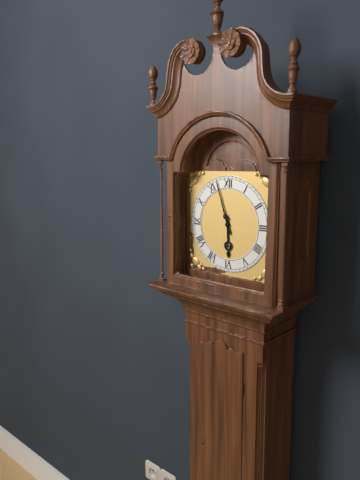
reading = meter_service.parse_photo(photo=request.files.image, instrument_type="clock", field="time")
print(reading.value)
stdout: 5:57
